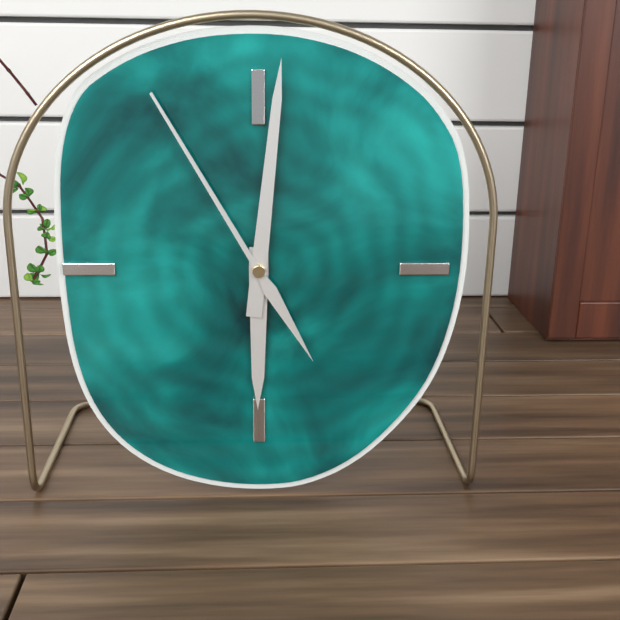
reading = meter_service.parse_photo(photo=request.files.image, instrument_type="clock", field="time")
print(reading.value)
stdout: 6:01:55
